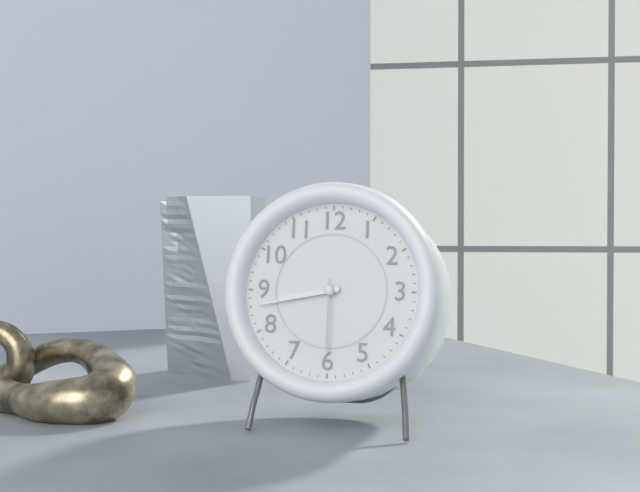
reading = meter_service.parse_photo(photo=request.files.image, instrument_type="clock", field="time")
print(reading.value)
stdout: 8:43:30
